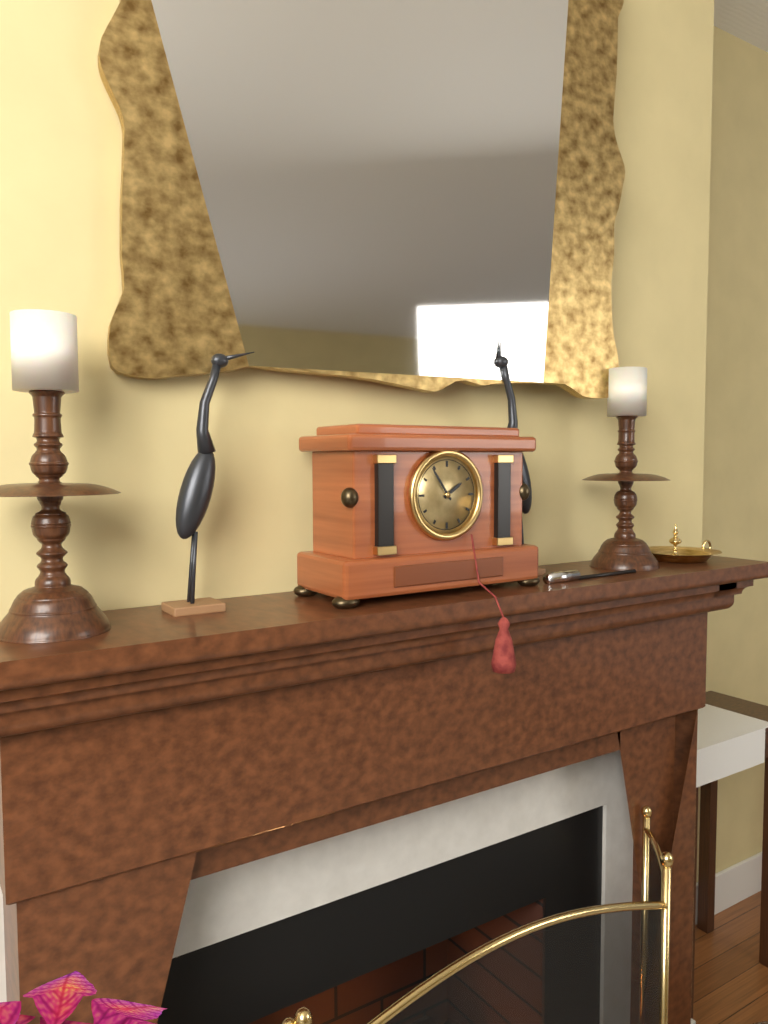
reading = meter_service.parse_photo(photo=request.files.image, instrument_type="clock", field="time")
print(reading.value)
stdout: 1:54
